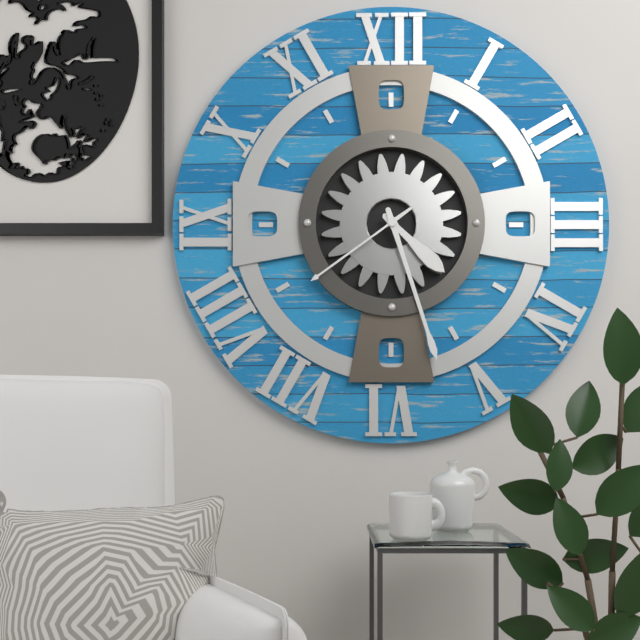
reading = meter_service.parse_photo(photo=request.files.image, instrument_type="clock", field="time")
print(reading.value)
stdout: 4:27:39
